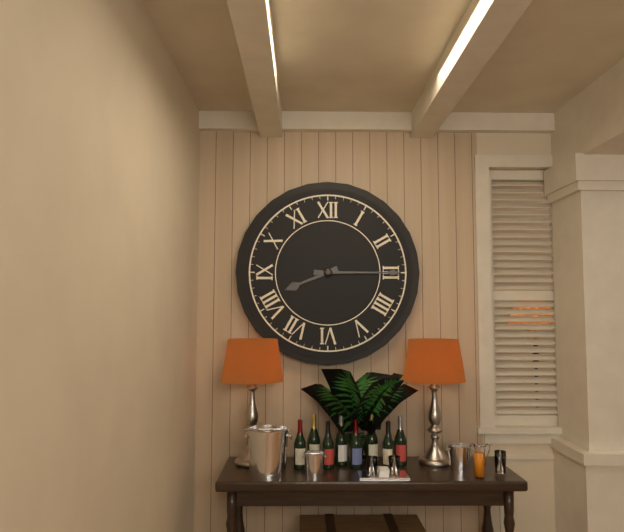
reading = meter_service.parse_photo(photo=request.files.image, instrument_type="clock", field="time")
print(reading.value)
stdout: 8:15
